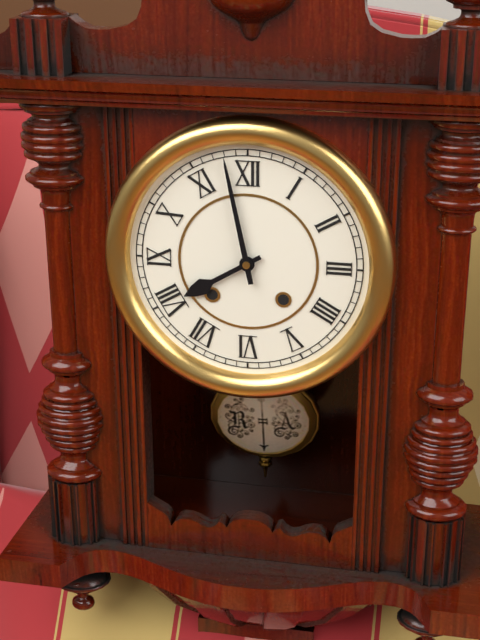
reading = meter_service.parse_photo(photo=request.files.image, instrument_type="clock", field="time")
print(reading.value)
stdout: 7:58
